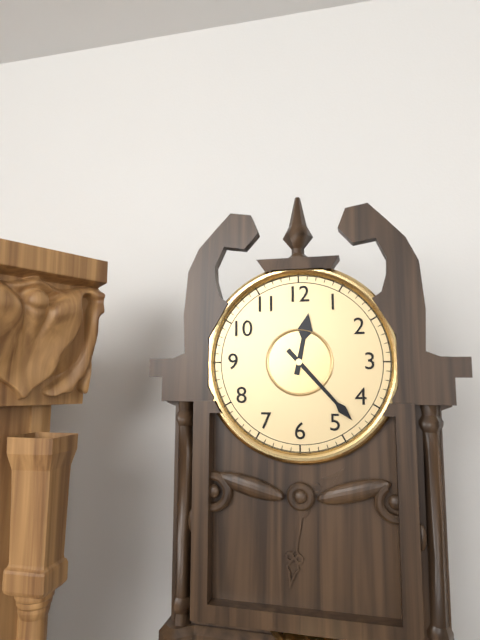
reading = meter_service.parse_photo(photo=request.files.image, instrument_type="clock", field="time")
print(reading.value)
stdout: 12:23
